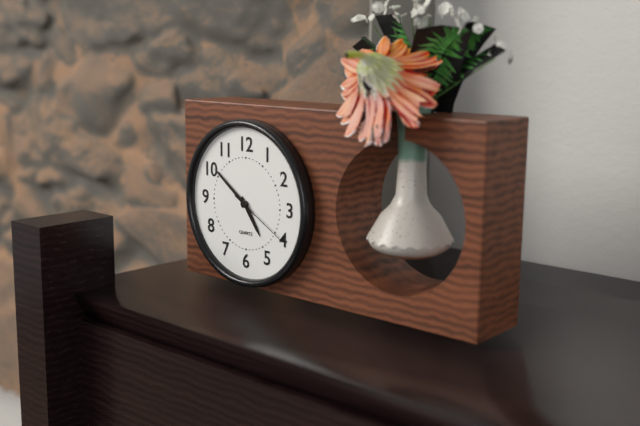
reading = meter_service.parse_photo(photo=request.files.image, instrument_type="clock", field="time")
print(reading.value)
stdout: 4:51:20
